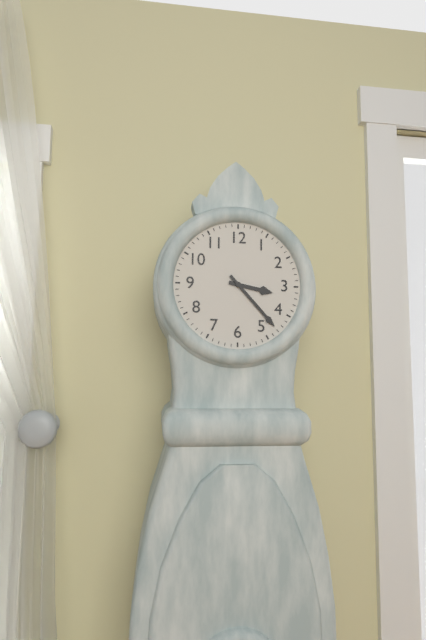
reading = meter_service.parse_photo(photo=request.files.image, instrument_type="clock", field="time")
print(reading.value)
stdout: 3:23
